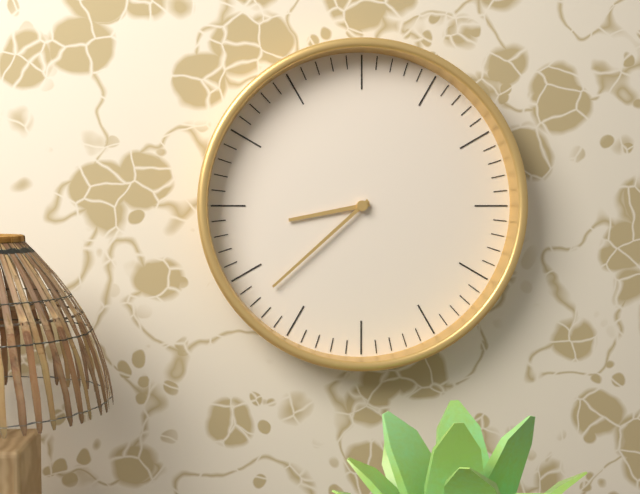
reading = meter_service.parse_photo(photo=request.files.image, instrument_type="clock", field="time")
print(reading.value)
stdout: 8:38
